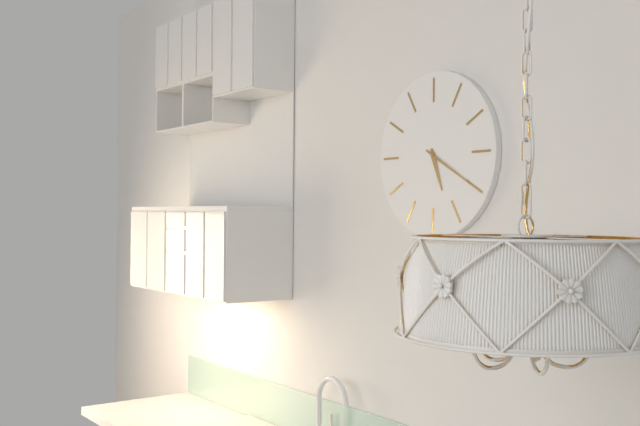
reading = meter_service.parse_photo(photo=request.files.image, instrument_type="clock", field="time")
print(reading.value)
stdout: 5:20
